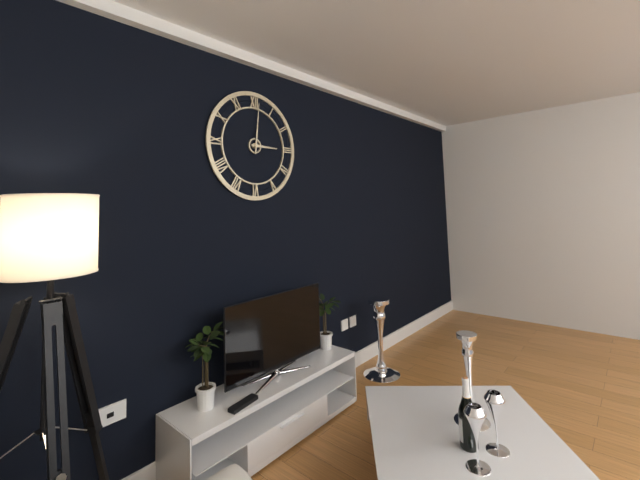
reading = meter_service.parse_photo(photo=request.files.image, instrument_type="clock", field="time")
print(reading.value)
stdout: 3:01
